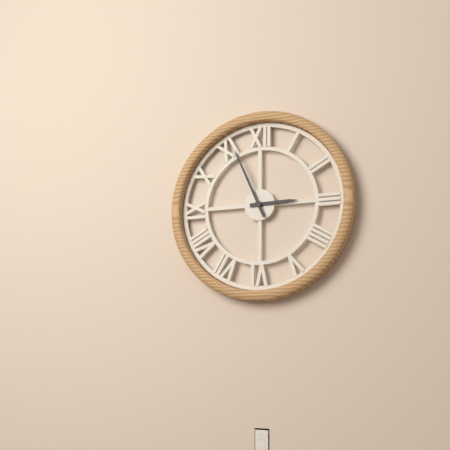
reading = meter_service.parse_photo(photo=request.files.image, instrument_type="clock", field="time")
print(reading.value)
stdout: 2:56
